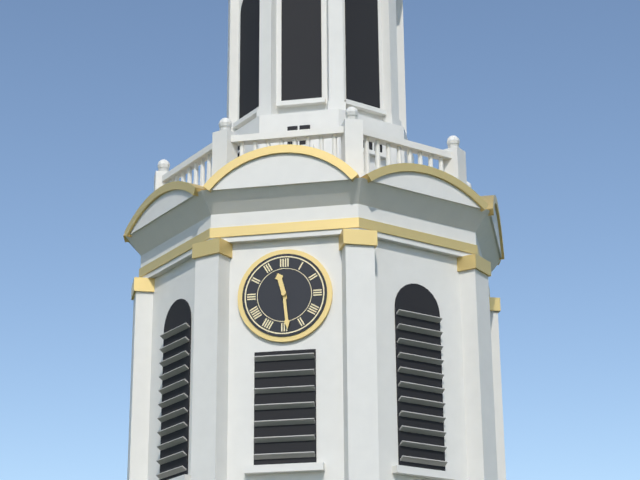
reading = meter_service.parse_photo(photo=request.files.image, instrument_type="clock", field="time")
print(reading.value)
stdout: 11:29
